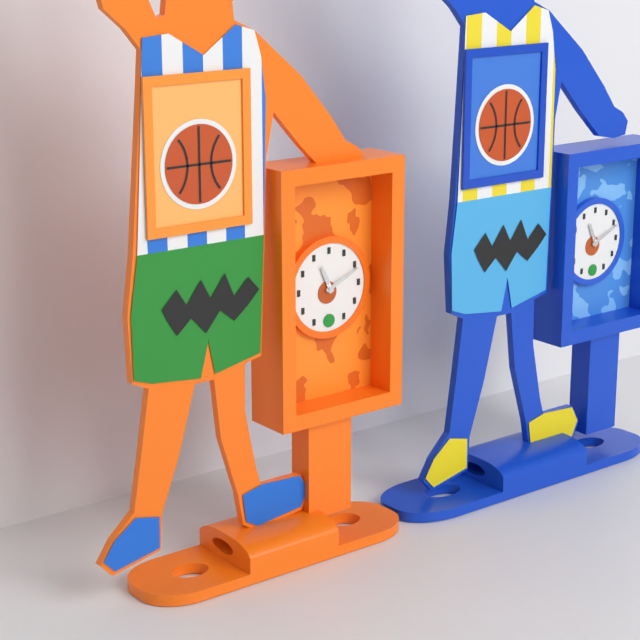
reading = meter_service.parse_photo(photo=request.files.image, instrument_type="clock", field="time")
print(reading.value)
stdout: 11:11
